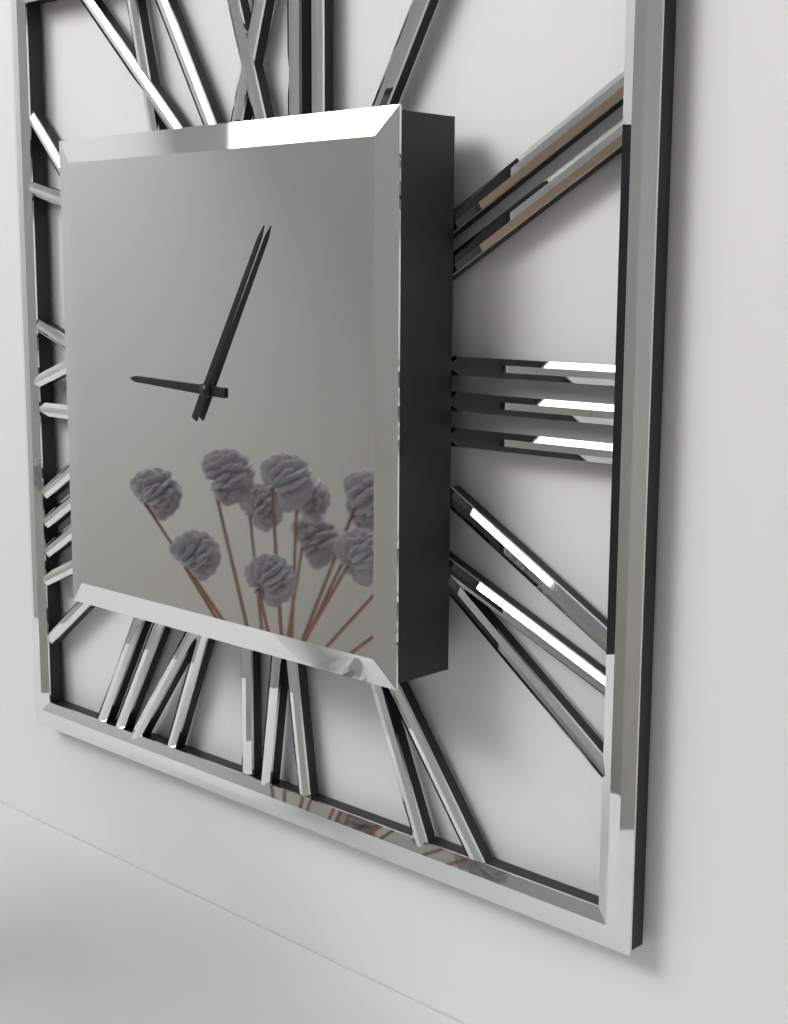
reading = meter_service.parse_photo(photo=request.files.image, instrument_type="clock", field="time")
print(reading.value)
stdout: 9:05
